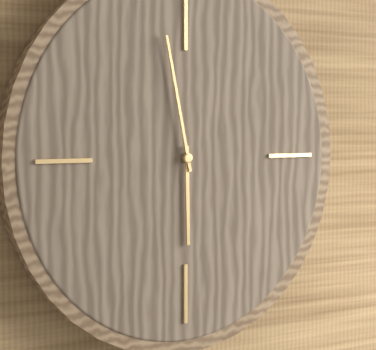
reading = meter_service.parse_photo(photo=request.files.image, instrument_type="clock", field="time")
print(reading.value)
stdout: 5:58
